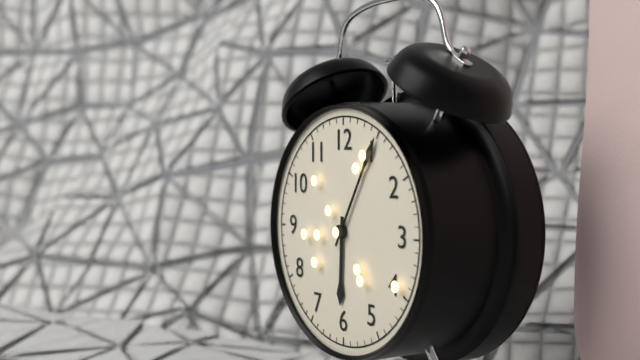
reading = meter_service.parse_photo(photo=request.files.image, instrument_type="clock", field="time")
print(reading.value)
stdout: 6:05
